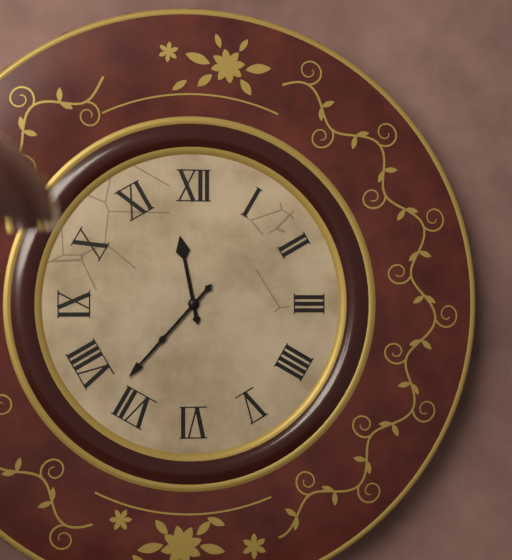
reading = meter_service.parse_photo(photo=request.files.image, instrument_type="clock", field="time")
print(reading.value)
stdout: 11:37
